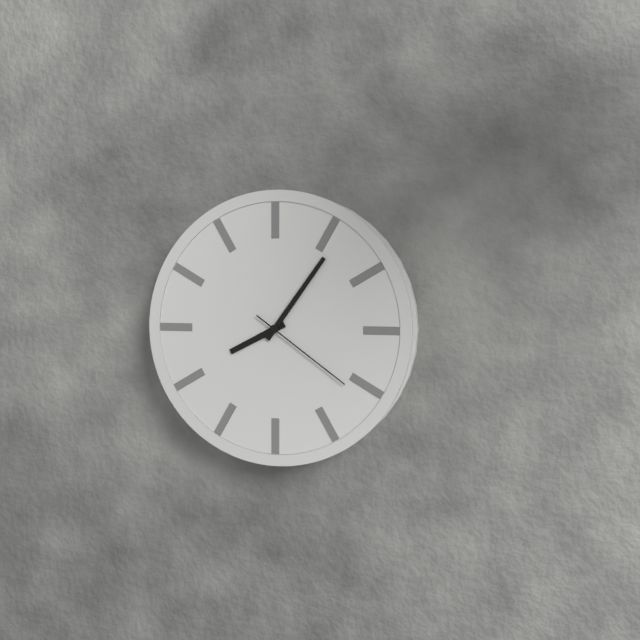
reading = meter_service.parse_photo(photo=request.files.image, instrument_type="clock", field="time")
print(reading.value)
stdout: 8:06:21
